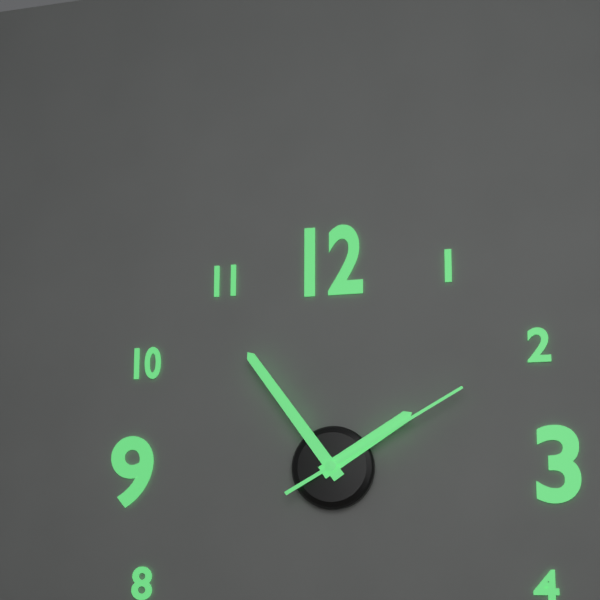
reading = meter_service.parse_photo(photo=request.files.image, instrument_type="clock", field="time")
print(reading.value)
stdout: 1:54:10
